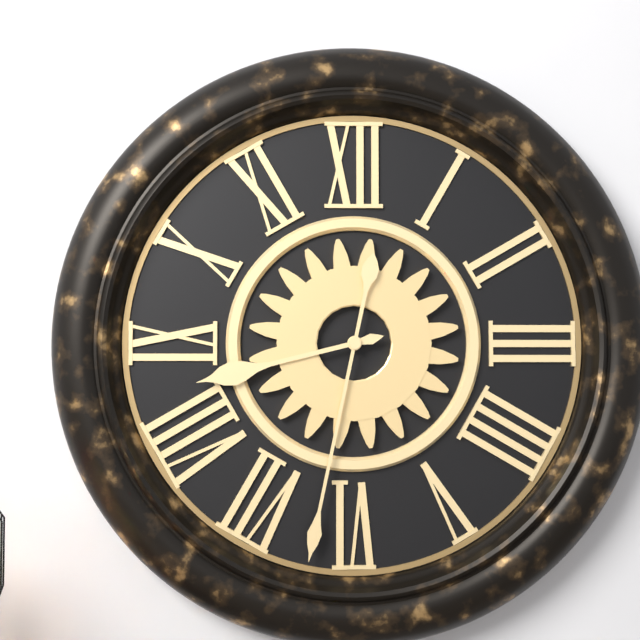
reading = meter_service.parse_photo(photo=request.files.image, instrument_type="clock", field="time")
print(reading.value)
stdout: 8:32
